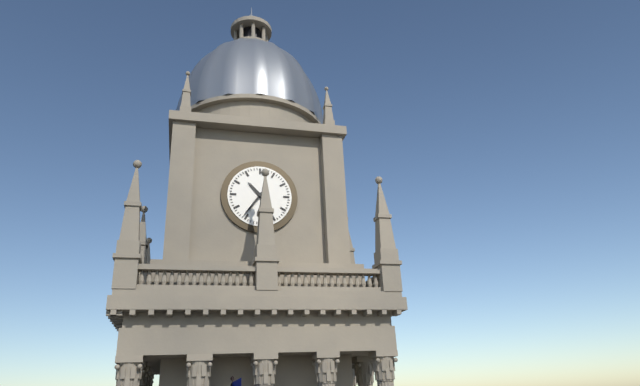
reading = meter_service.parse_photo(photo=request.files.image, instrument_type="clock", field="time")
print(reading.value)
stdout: 10:36
